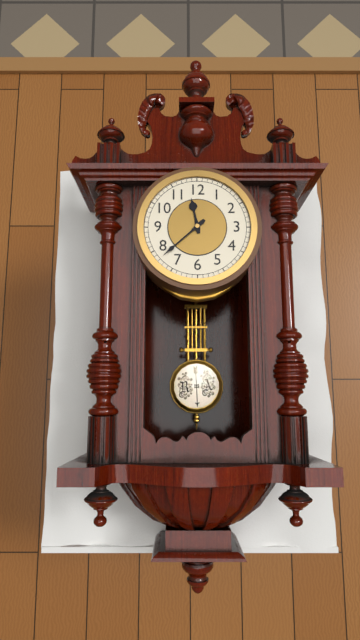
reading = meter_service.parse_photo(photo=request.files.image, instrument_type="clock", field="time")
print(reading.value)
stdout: 11:38
